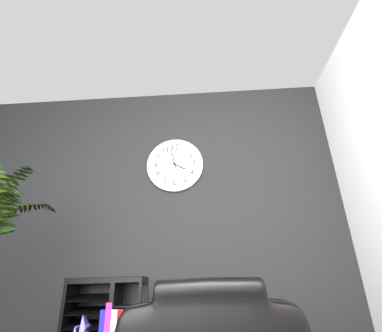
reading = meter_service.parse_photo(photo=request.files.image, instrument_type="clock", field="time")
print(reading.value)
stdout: 3:58
